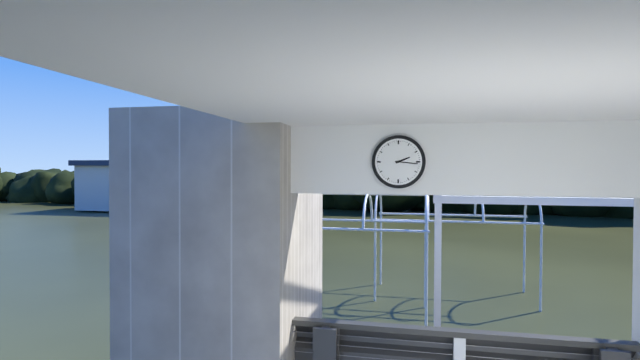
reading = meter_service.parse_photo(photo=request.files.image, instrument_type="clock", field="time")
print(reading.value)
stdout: 2:16
